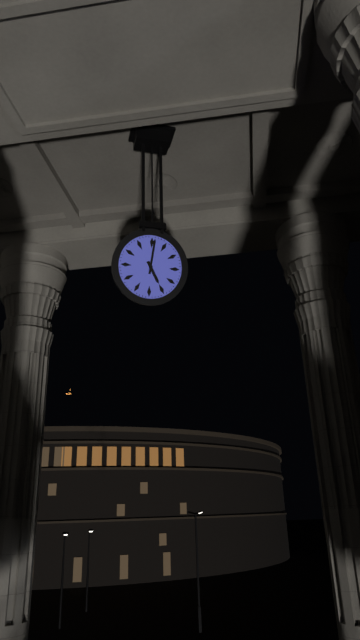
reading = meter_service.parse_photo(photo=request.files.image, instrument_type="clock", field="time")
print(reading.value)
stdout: 5:01
